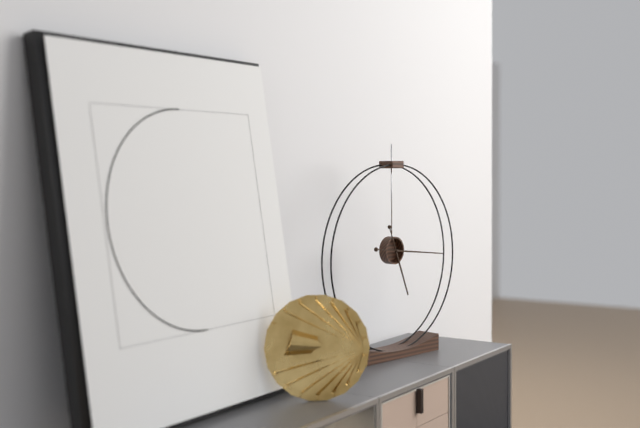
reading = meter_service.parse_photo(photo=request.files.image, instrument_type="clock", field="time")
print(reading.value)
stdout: 5:16
